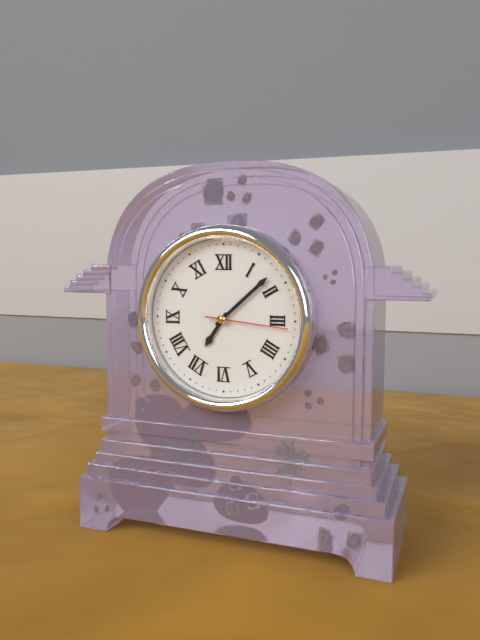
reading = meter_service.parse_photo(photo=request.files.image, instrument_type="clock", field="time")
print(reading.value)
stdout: 7:08:16
